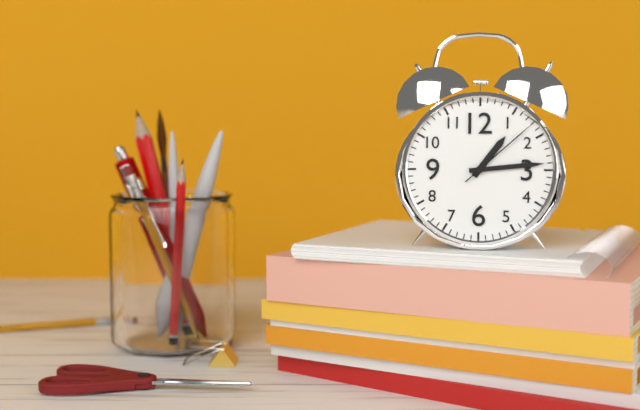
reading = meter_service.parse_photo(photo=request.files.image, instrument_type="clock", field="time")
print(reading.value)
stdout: 1:14:08
